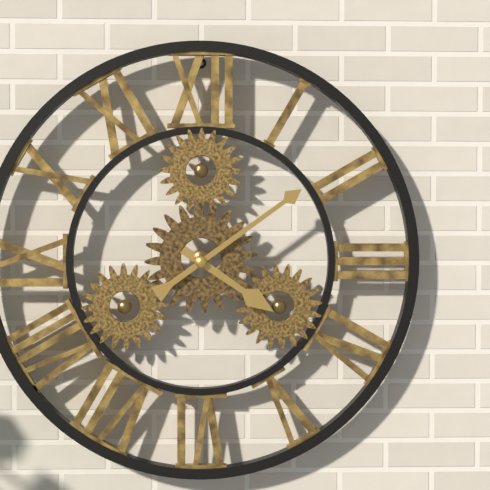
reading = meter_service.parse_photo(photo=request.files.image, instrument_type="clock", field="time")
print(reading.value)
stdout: 4:09
